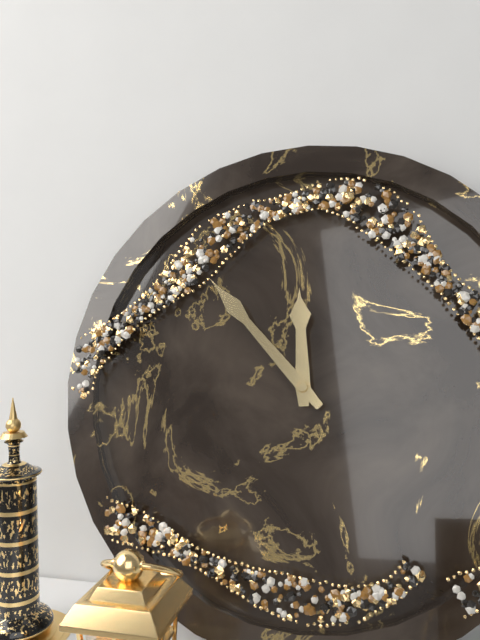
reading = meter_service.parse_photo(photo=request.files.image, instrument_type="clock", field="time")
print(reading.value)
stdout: 11:53
